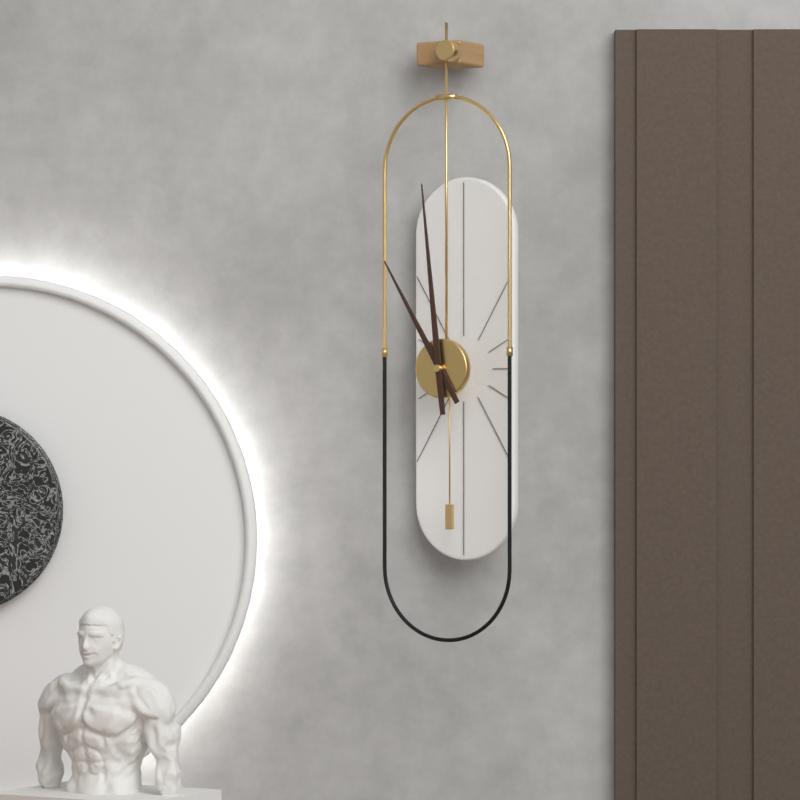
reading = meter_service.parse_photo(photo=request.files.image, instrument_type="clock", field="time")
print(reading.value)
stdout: 10:59
